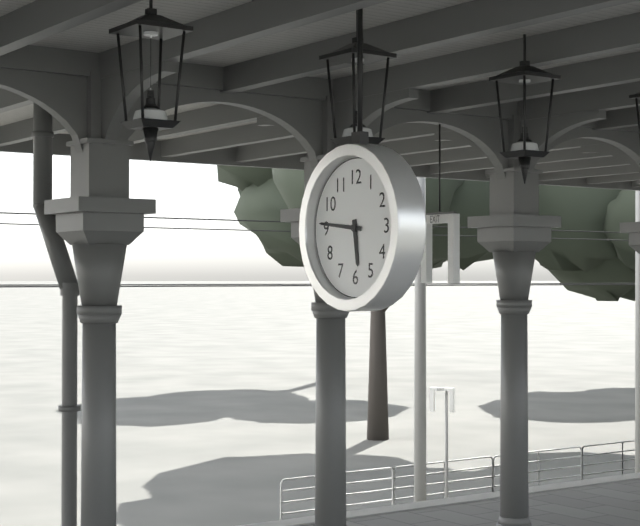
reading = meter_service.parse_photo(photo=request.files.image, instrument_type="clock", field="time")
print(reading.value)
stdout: 5:46
